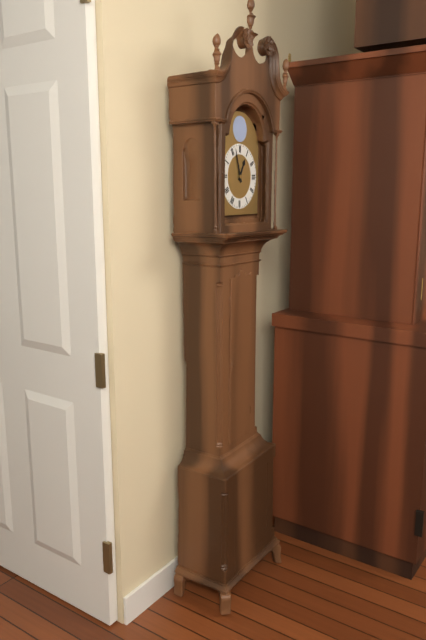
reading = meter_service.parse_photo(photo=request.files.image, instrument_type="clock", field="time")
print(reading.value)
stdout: 12:57
